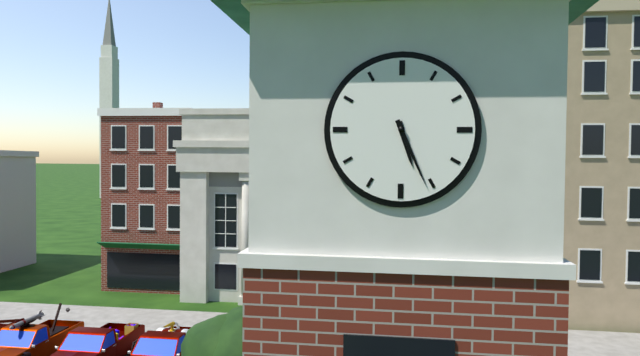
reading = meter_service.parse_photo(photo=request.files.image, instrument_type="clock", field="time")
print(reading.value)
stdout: 5:26
